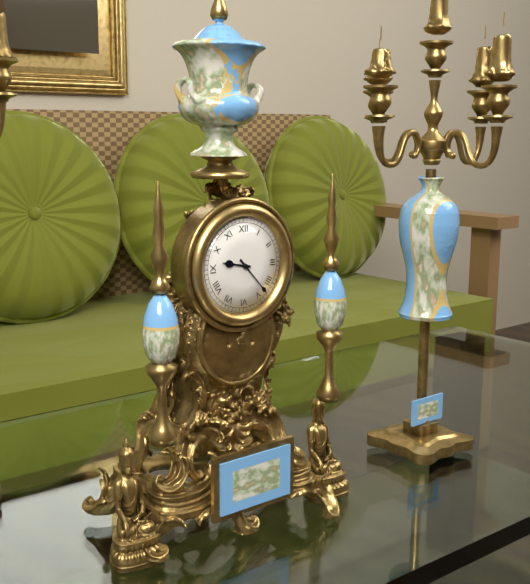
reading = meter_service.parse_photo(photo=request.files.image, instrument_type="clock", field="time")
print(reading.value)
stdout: 9:23
